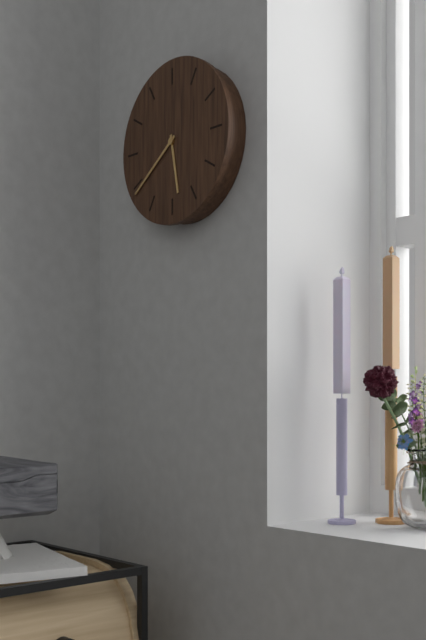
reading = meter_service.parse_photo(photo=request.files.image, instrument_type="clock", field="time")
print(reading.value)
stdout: 5:39
